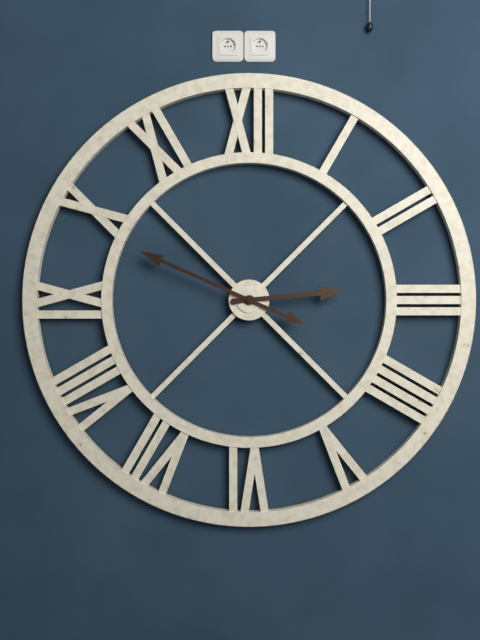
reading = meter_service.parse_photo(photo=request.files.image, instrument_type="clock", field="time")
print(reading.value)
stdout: 2:49
